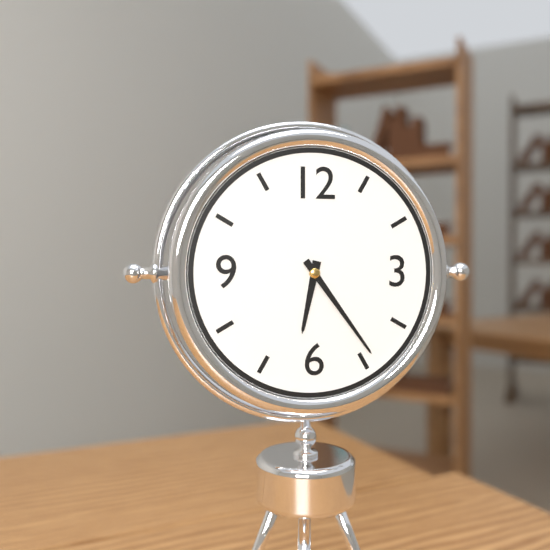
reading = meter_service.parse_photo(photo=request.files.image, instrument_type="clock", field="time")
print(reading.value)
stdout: 6:24
